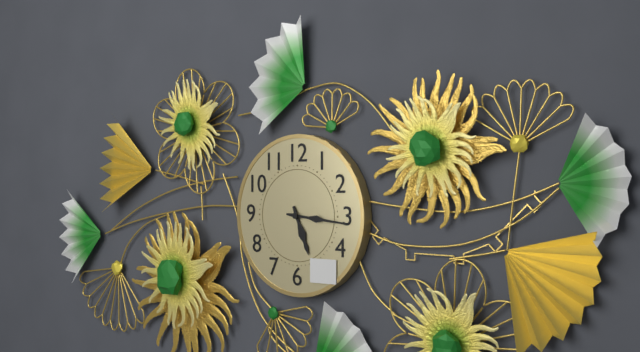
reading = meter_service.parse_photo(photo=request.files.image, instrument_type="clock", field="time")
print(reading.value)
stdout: 5:16
